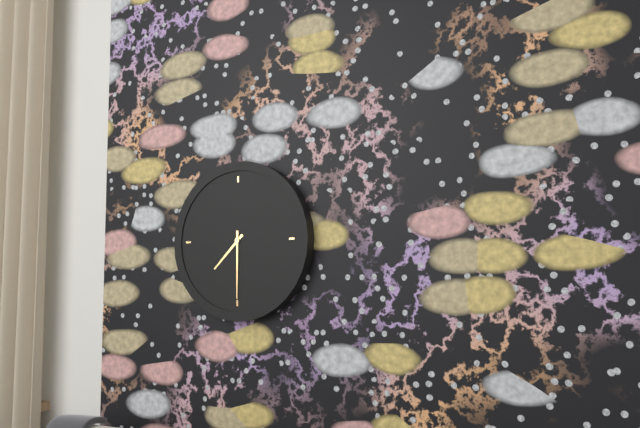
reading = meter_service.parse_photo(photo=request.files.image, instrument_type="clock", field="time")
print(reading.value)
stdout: 7:30
